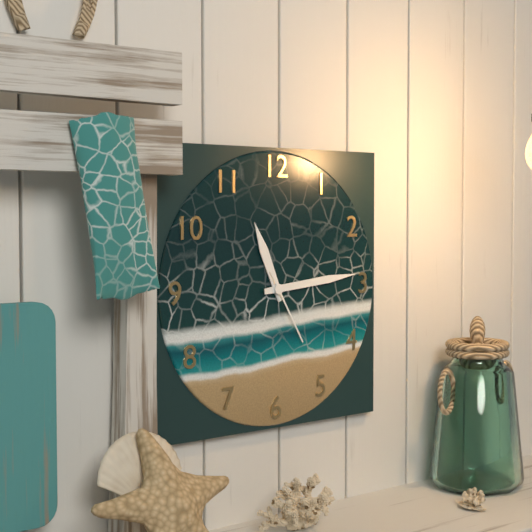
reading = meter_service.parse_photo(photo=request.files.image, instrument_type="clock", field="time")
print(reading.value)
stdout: 11:14:25
